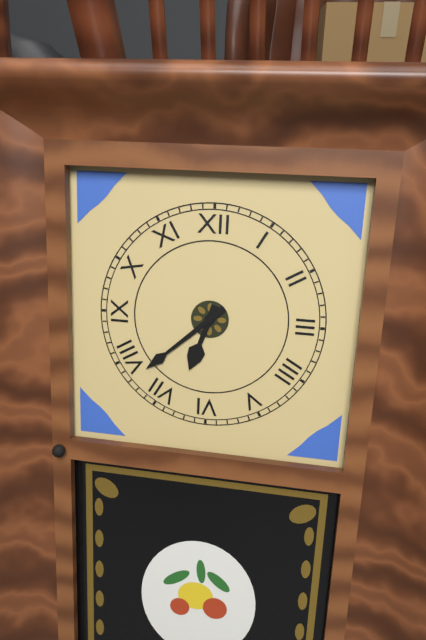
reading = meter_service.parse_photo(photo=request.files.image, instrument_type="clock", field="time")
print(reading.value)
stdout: 6:38
